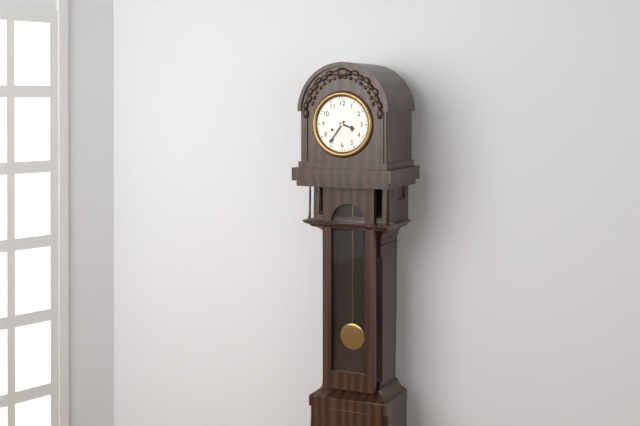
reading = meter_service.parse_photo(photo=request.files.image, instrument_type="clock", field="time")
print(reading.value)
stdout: 3:36
